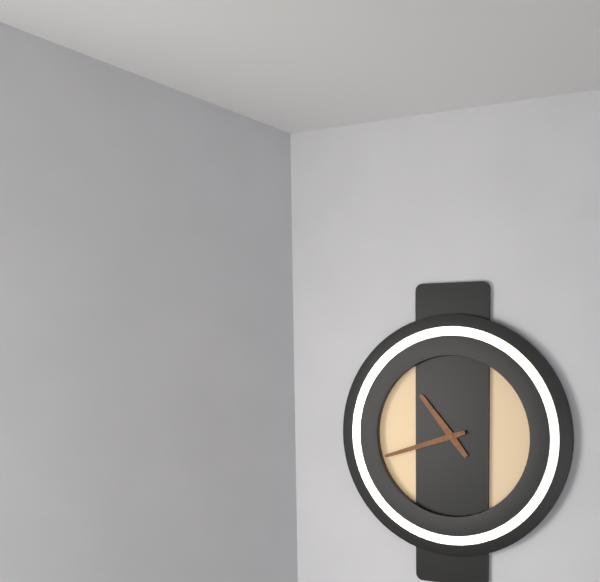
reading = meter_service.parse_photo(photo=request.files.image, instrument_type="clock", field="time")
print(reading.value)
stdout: 10:42
